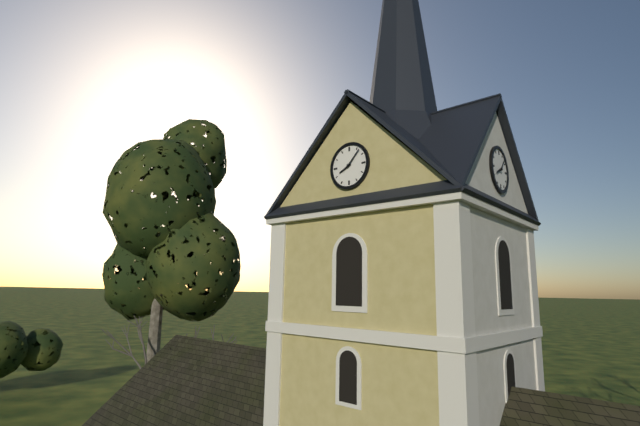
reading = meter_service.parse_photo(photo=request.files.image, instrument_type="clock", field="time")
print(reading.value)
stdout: 8:07
